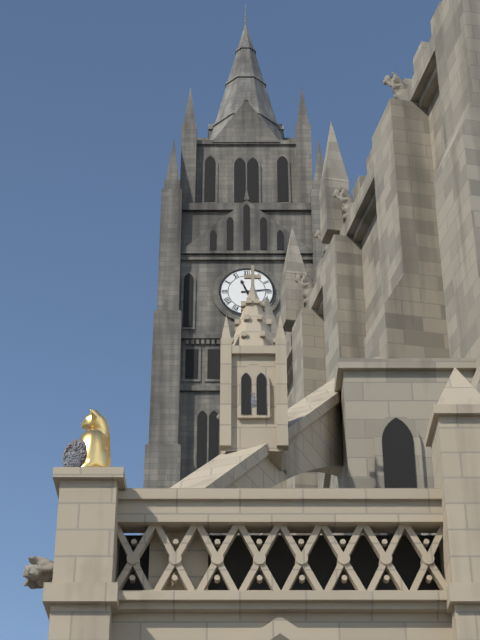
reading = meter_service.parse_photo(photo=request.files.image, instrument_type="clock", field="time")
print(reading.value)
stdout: 11:14
